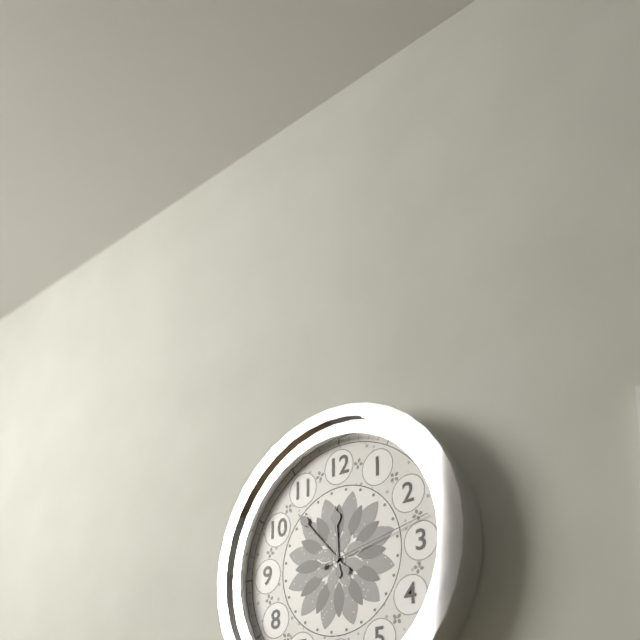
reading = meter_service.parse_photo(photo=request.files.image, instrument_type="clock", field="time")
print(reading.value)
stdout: 11:53:13
